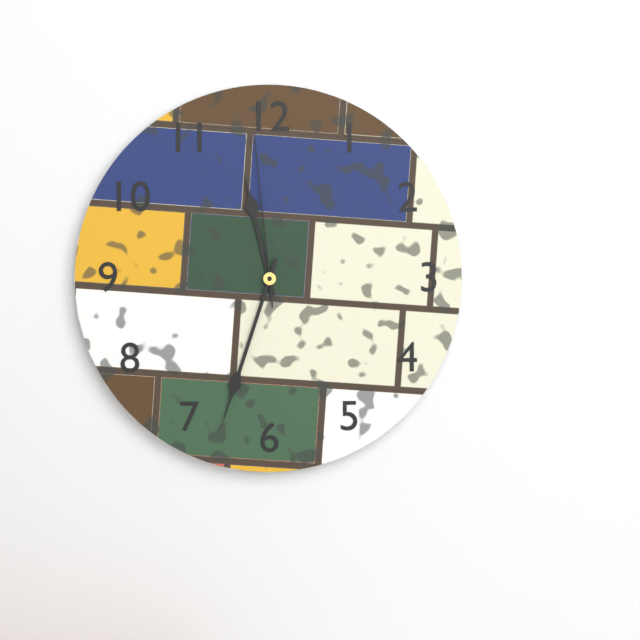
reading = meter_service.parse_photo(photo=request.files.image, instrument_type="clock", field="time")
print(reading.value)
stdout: 11:33:59
